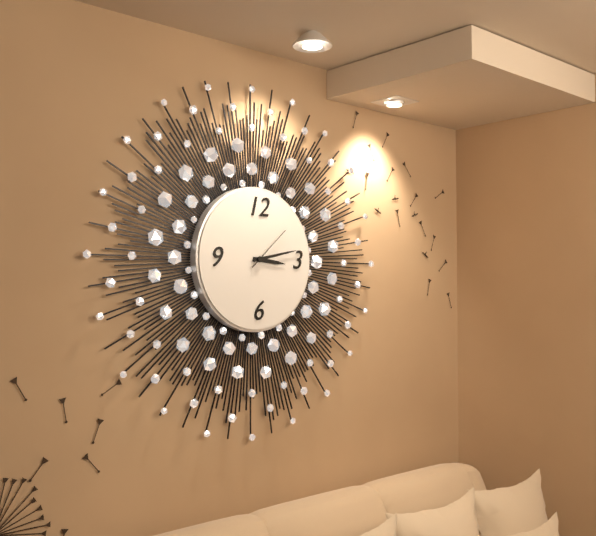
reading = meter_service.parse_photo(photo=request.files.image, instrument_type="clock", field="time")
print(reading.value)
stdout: 3:13
